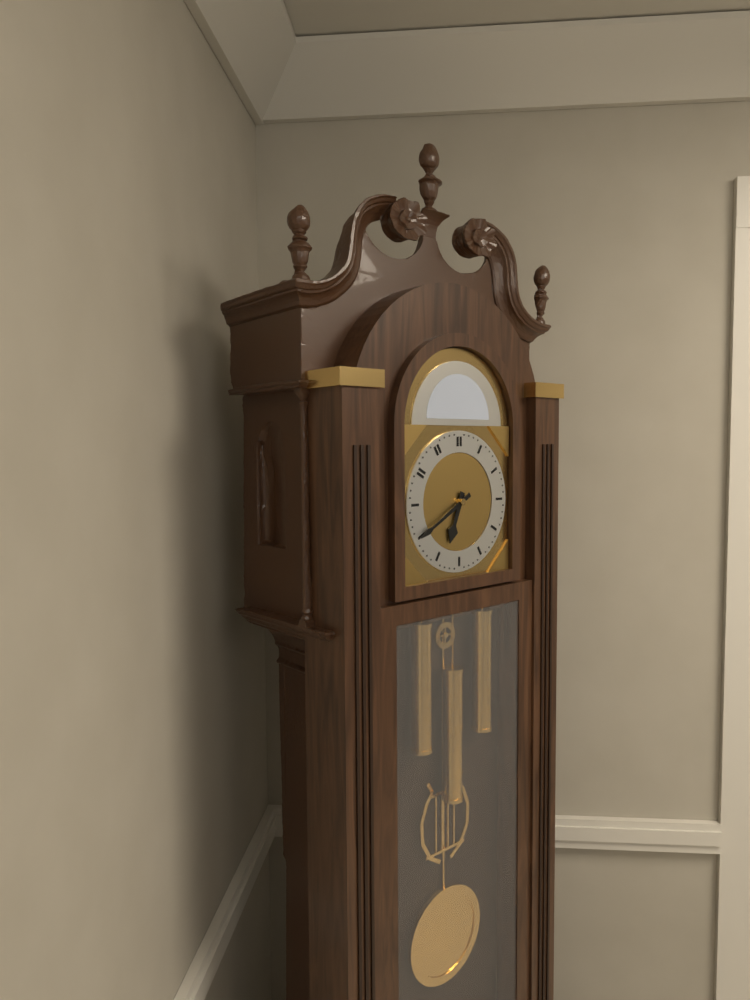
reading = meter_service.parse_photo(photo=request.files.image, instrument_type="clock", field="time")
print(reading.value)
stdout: 6:40
